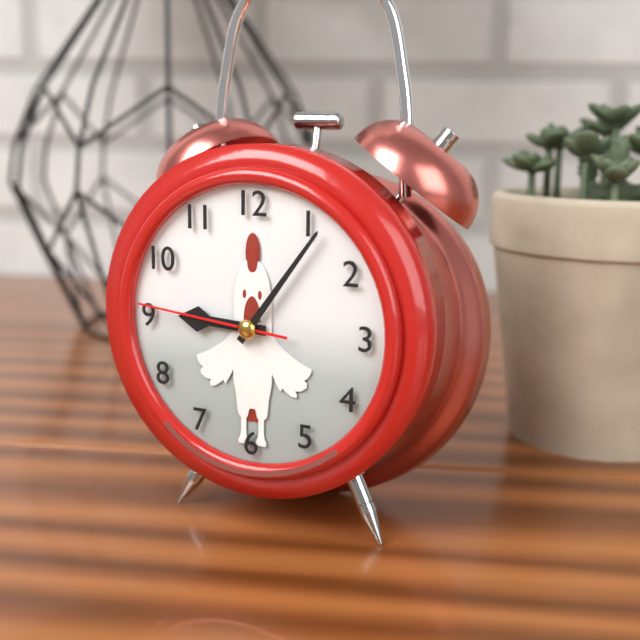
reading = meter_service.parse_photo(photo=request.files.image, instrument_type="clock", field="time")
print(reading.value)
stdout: 9:06:46
